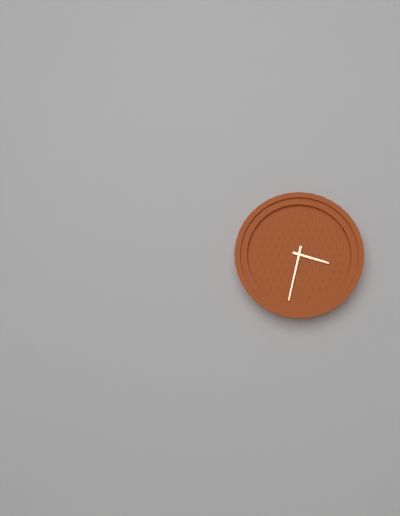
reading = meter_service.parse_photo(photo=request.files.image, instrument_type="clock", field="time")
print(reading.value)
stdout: 3:32
